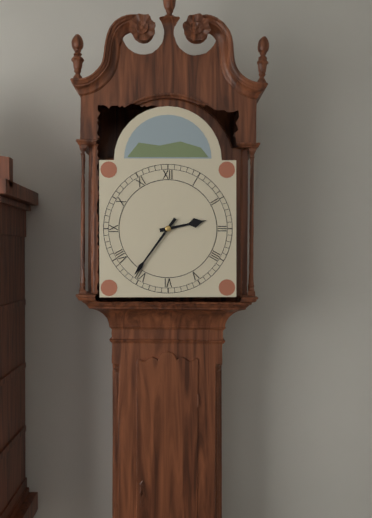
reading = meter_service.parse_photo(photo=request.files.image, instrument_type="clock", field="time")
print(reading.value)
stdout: 2:36
